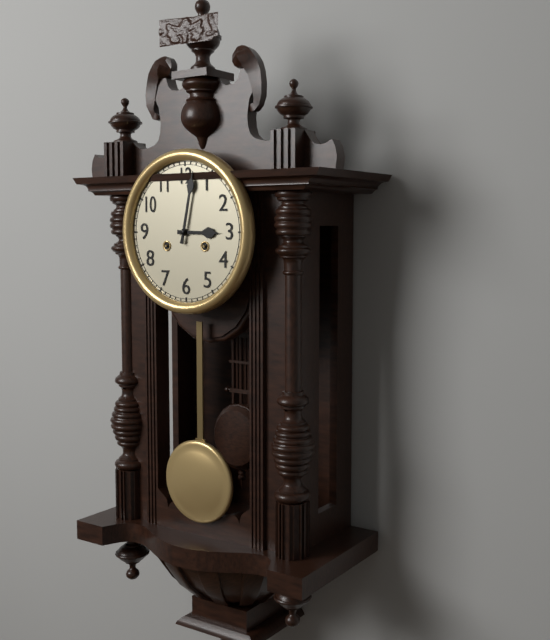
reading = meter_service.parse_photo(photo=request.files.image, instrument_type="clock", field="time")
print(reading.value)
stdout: 3:02
